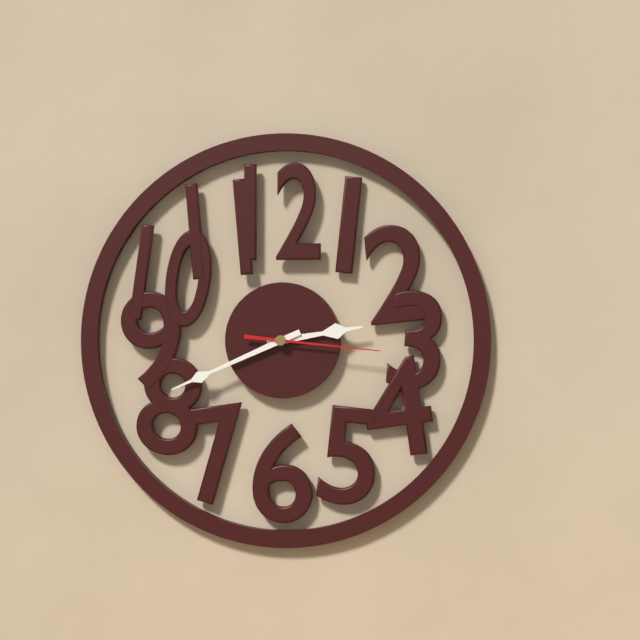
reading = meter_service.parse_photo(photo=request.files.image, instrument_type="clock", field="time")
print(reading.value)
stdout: 2:41:16
